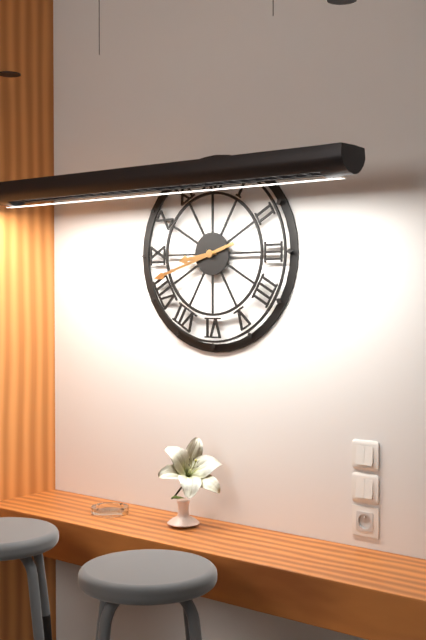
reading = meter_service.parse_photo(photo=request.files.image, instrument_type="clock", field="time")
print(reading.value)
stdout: 8:42
